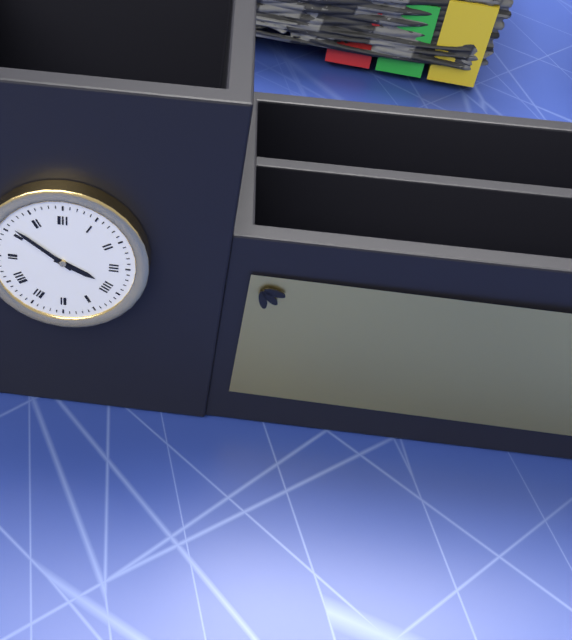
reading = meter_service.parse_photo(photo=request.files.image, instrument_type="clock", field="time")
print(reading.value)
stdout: 3:51
